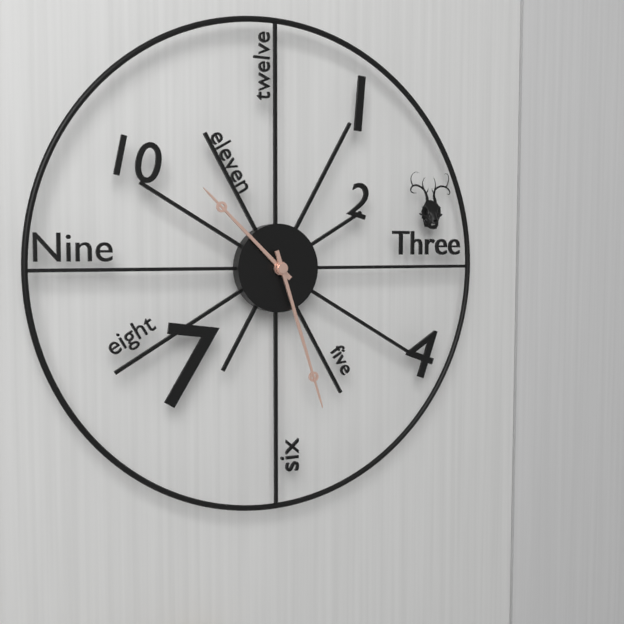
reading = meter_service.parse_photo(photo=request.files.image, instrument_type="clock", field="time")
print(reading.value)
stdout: 10:27
